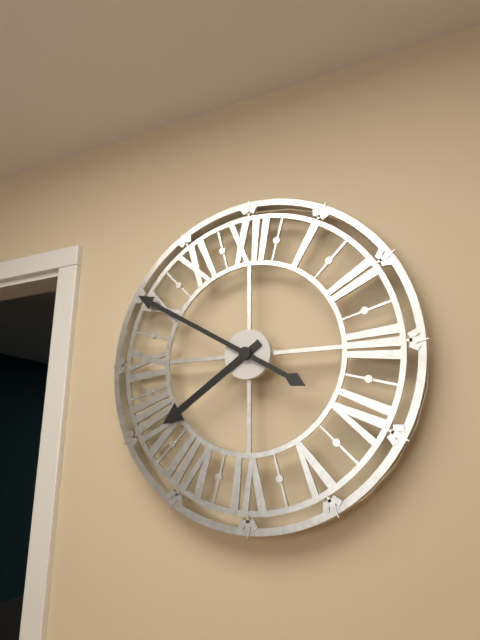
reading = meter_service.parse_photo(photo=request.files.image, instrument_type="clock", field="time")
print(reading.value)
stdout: 7:50
